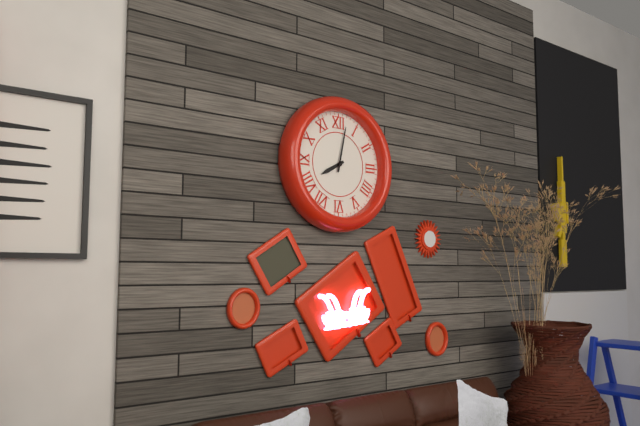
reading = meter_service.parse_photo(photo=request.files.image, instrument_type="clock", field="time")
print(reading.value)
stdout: 8:02
